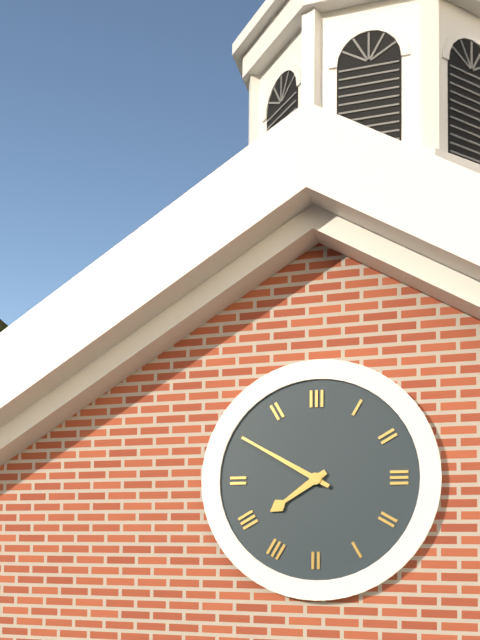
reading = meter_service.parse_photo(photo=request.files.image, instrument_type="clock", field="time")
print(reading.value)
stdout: 7:50
